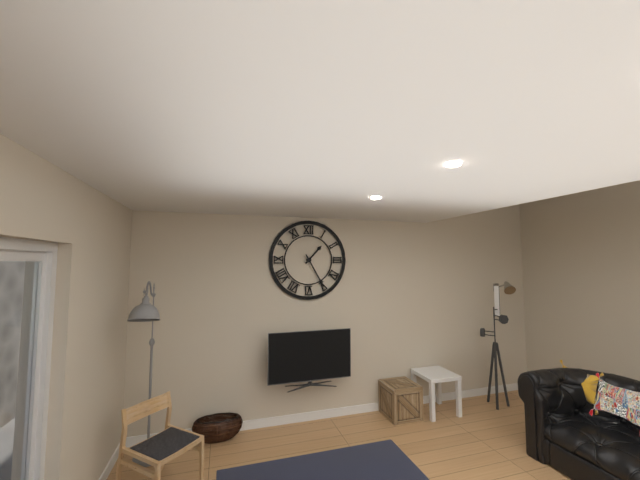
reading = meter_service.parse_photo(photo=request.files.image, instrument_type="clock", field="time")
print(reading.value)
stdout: 1:25
